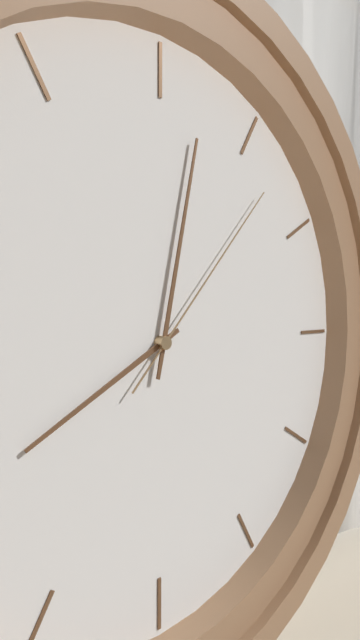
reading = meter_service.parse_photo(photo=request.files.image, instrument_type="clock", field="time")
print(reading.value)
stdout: 8:02:07
